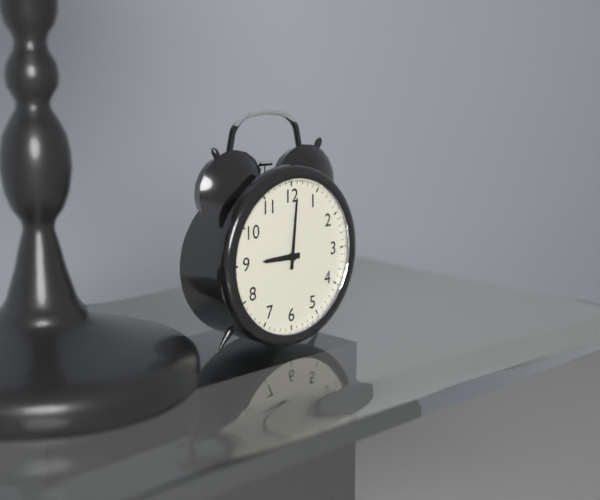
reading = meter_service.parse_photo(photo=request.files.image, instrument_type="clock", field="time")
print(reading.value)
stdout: 9:01
